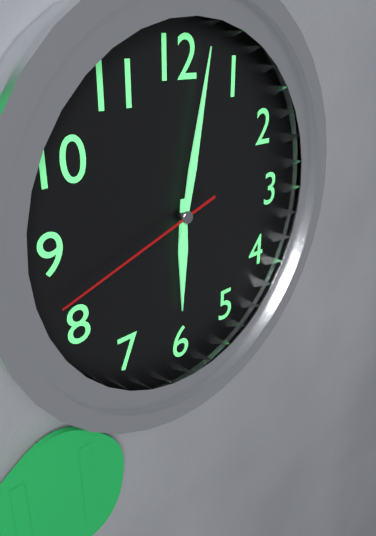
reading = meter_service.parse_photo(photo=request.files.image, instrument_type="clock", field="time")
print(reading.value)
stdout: 6:02:42
